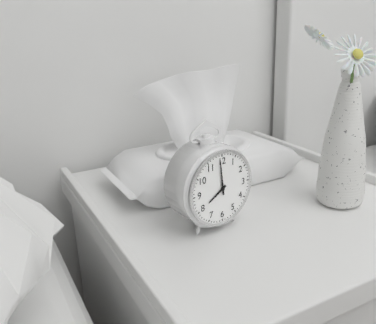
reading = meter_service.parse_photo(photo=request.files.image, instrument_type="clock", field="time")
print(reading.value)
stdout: 7:59
